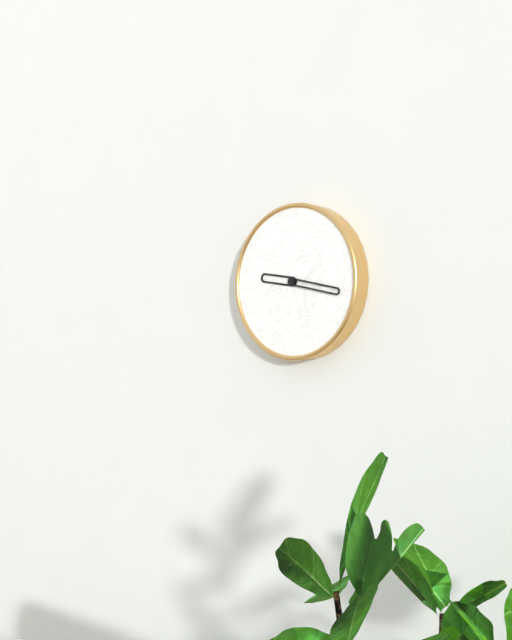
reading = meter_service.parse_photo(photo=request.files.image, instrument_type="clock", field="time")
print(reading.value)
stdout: 9:17
